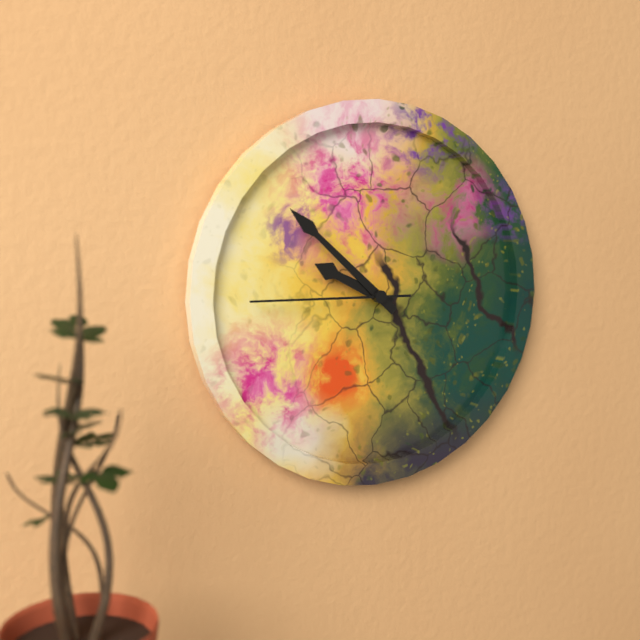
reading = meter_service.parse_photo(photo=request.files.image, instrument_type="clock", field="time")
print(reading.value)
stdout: 9:52:45
